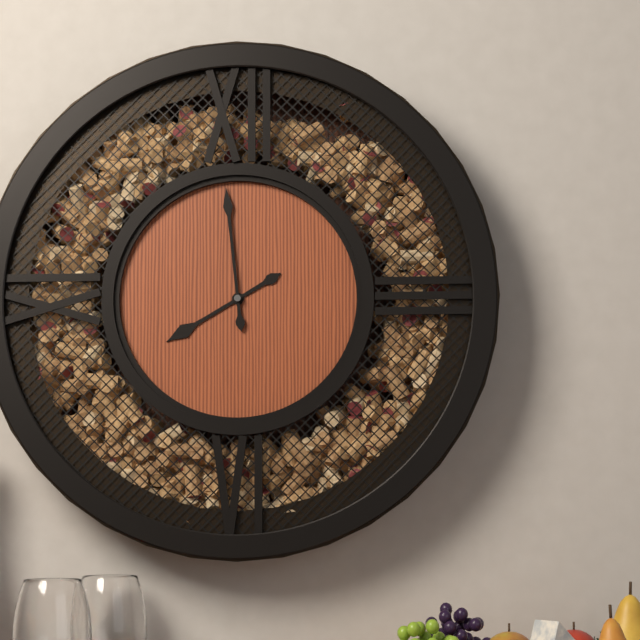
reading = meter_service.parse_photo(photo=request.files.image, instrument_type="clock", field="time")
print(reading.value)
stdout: 7:59
